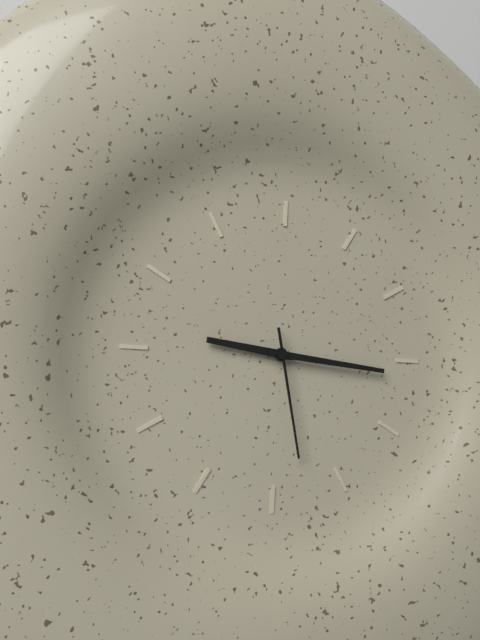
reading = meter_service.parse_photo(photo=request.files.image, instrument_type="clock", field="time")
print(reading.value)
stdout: 9:16:28
